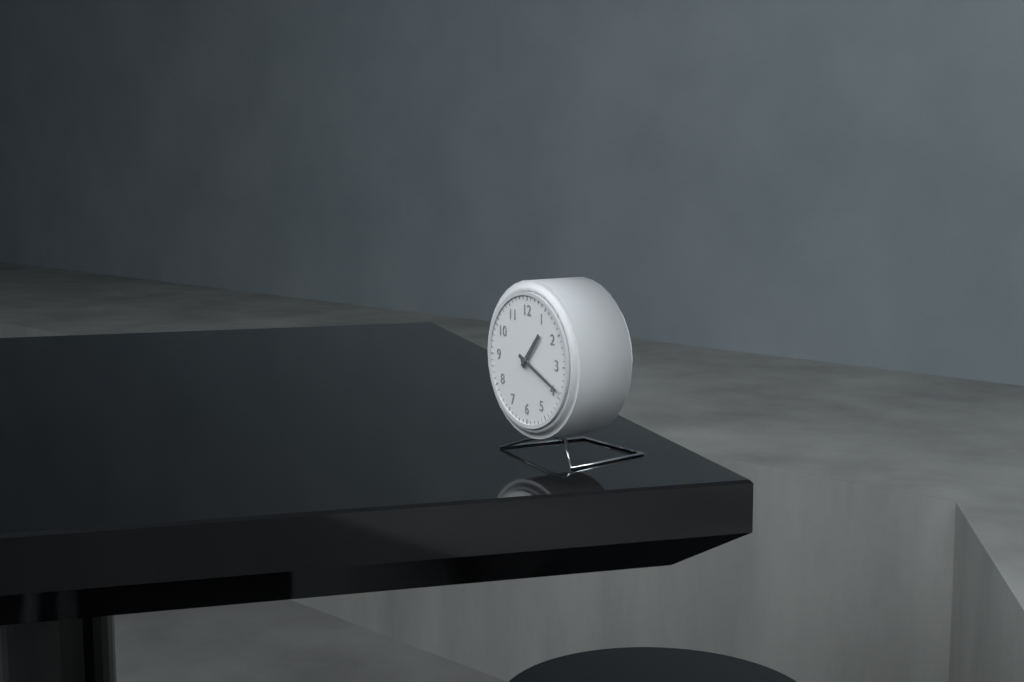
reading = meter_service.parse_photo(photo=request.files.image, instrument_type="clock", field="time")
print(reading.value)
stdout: 1:19
